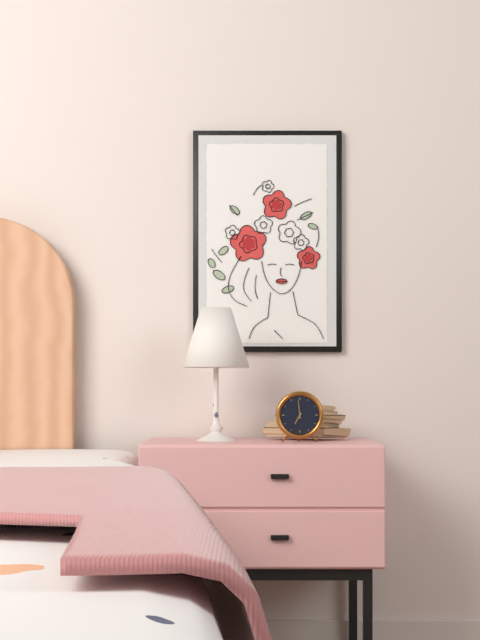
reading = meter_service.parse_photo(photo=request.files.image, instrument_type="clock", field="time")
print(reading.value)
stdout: 6:59
